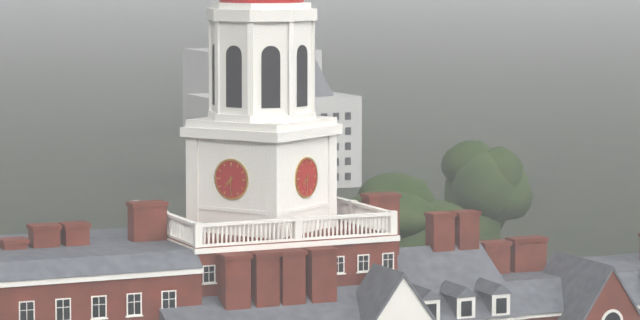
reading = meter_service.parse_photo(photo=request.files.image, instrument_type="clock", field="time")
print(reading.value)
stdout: 7:30
